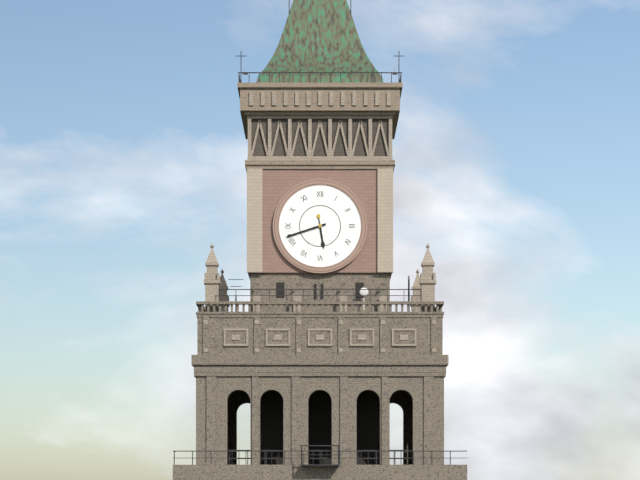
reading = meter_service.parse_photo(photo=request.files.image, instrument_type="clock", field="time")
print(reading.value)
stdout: 5:42
